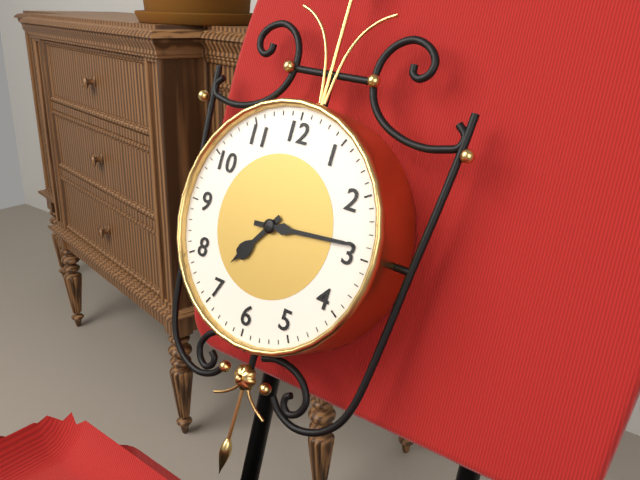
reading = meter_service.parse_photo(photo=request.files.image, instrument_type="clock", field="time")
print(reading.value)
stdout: 7:14
